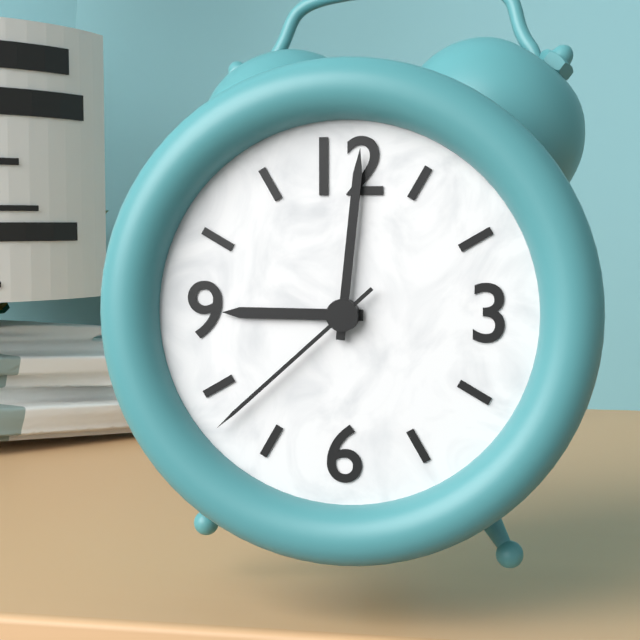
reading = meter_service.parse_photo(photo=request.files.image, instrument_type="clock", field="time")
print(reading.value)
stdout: 9:01:38
